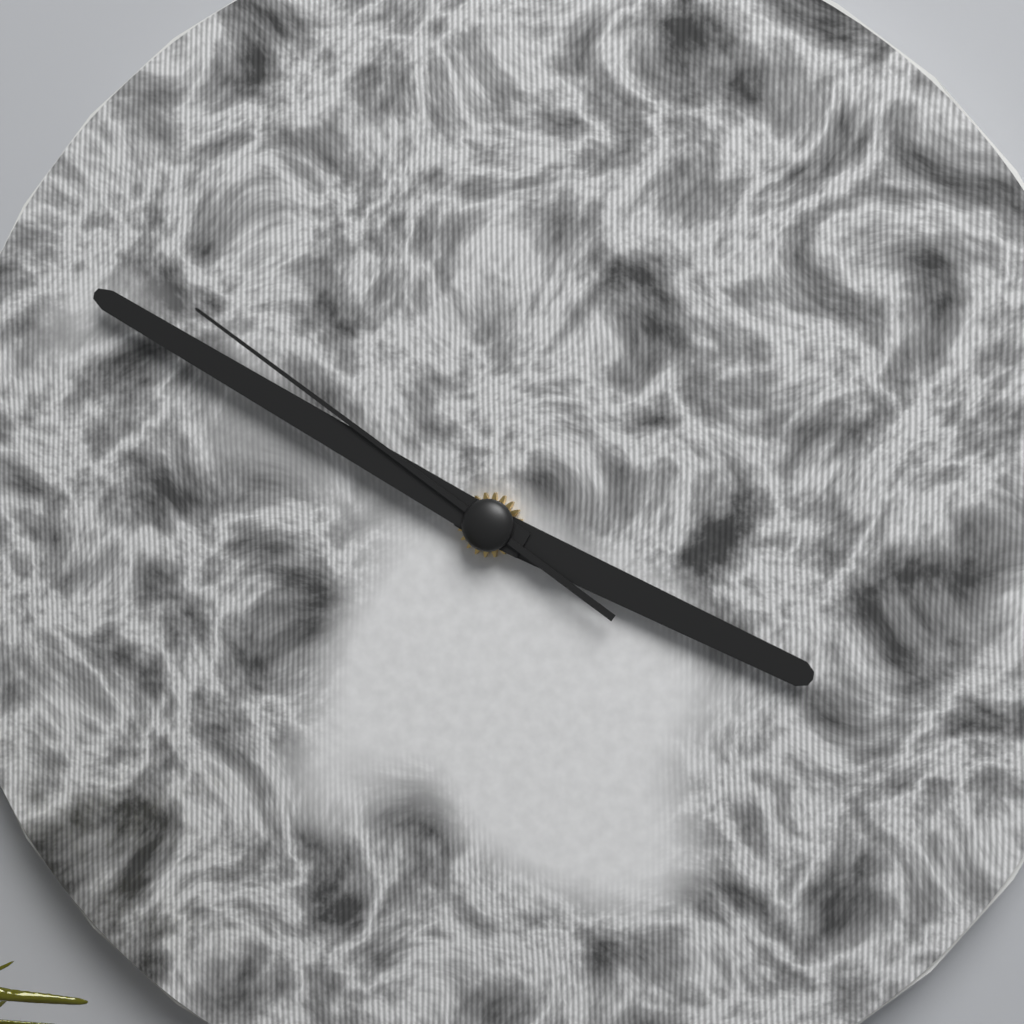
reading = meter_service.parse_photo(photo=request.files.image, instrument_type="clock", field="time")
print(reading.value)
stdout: 3:50:51
